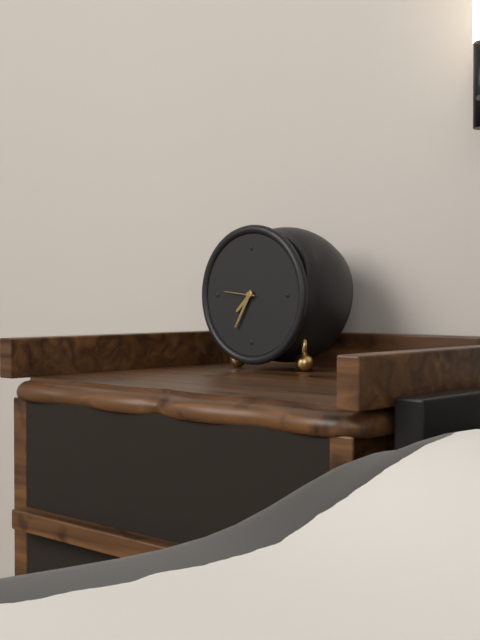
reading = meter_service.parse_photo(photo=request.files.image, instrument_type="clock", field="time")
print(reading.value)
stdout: 7:35
